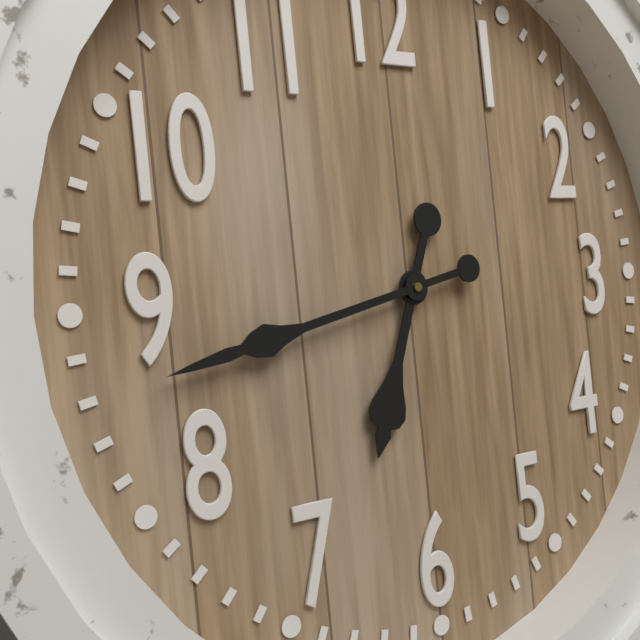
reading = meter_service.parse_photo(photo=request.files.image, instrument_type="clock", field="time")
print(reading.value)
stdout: 6:43
